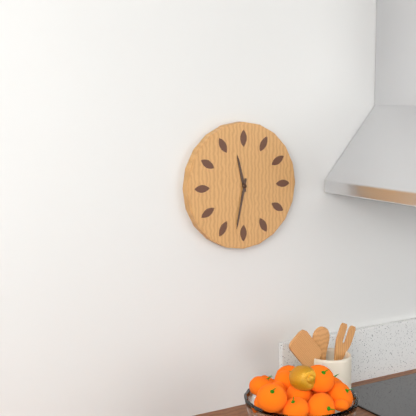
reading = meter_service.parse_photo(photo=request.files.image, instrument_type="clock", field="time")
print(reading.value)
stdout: 11:32
